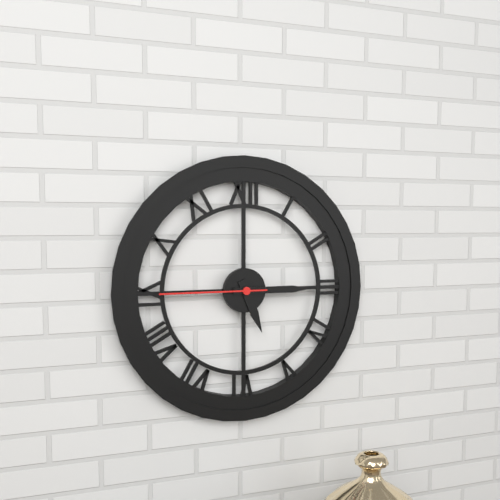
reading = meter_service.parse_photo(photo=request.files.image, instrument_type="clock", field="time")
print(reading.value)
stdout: 5:15:45
